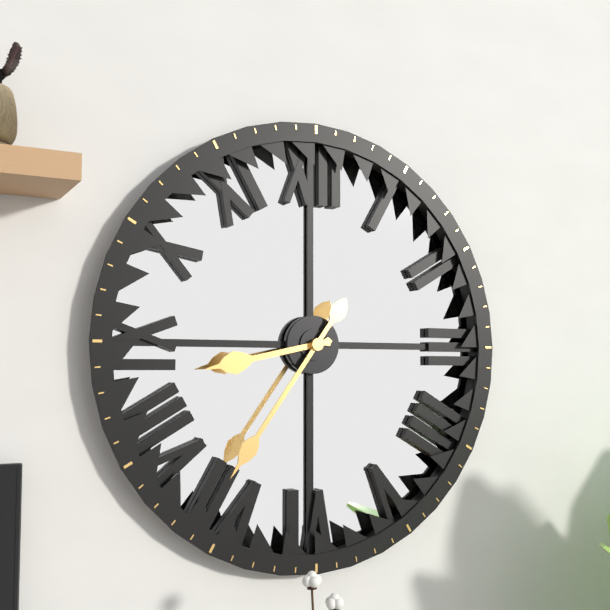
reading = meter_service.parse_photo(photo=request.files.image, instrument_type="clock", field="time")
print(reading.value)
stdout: 8:36
